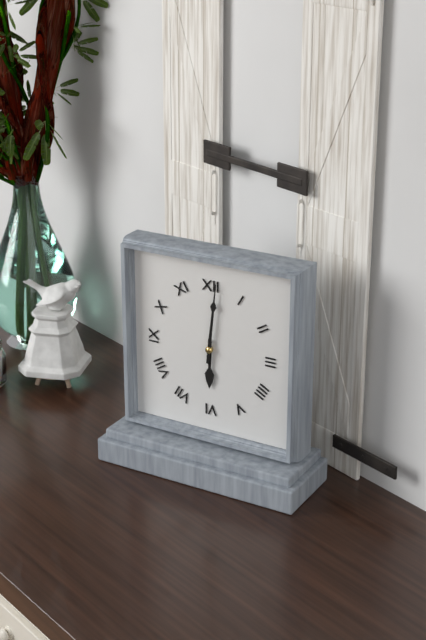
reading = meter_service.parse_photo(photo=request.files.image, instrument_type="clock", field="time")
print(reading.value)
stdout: 6:01
